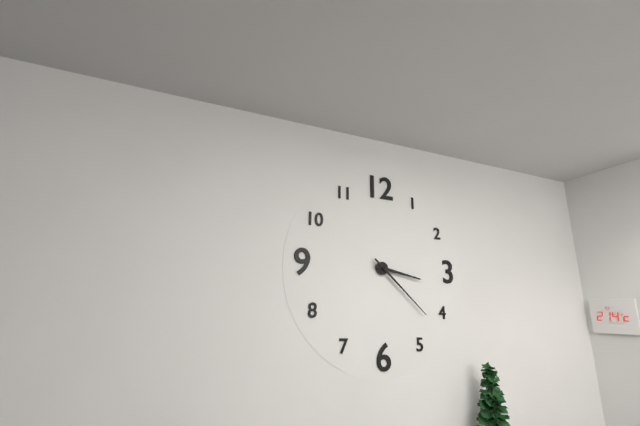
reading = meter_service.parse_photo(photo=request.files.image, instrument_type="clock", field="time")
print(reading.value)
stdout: 3:22
